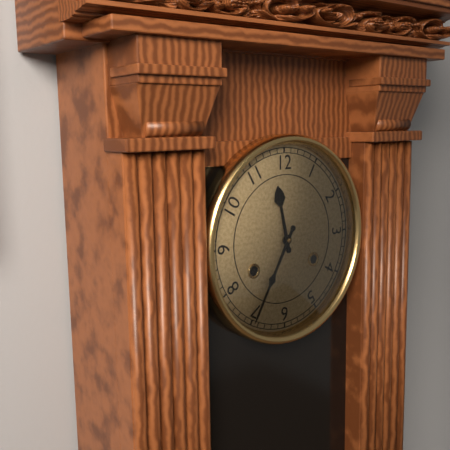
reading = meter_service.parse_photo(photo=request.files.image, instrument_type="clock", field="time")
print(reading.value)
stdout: 11:35
